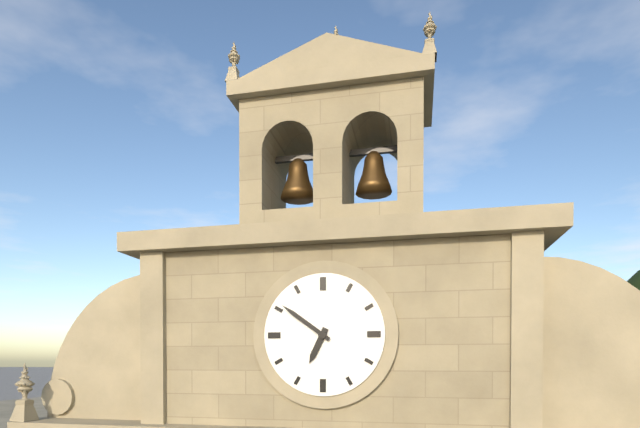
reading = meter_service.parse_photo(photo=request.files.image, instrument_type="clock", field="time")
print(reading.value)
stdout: 6:51
